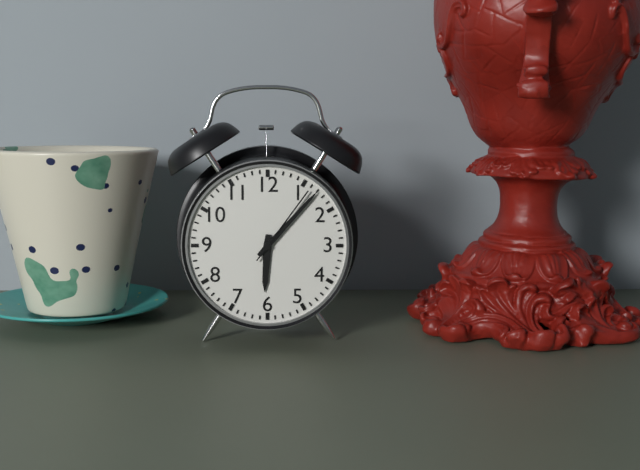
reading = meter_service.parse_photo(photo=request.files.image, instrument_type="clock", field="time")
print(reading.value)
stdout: 6:07:06
